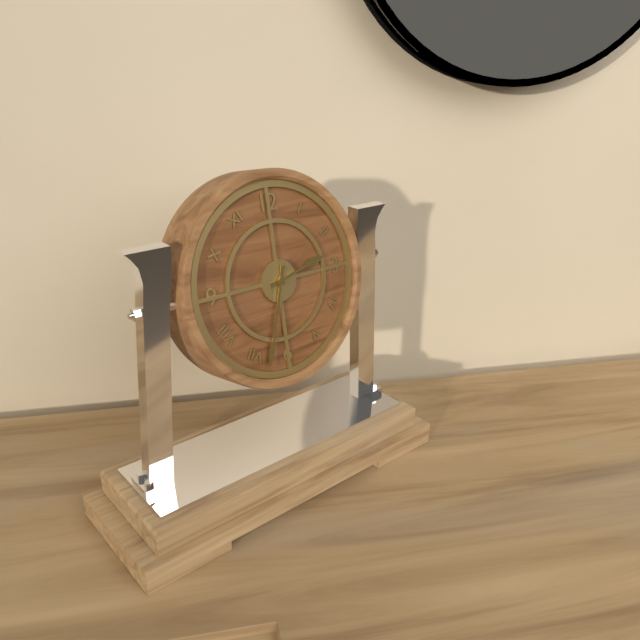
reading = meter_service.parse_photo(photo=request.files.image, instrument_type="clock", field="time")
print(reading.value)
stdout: 2:33
